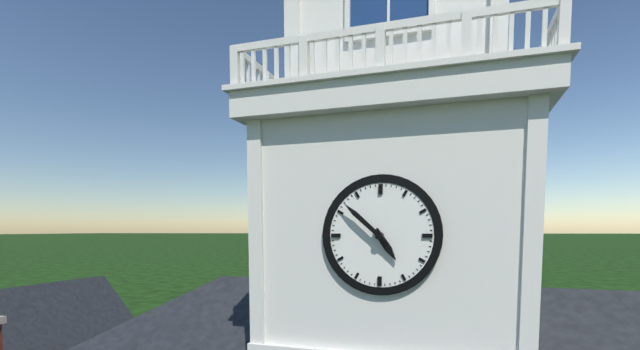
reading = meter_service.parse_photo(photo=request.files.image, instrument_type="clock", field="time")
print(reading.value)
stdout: 4:52
